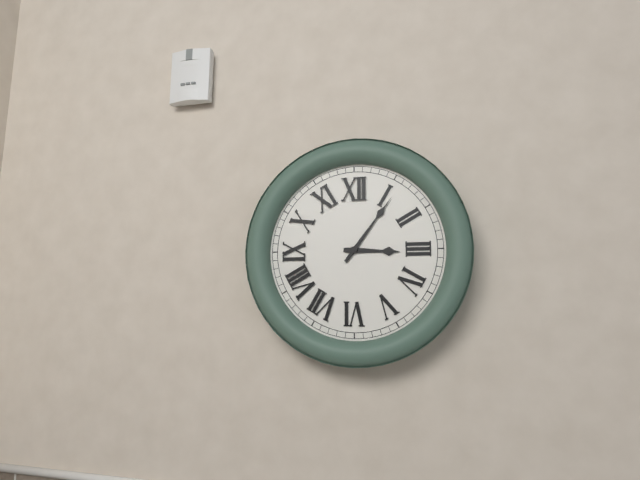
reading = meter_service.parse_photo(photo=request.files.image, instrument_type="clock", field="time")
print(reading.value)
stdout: 3:06
